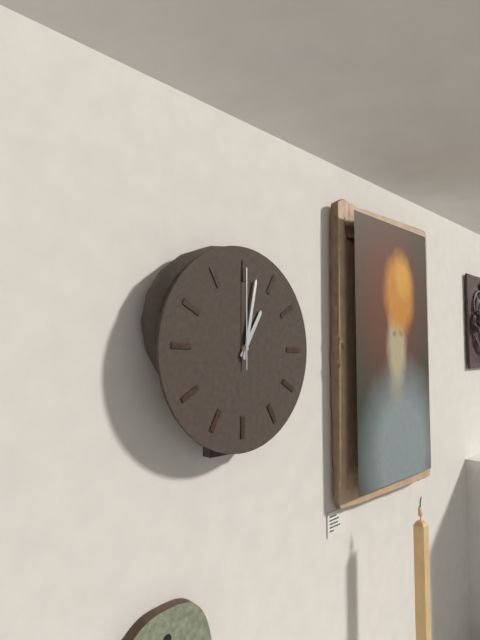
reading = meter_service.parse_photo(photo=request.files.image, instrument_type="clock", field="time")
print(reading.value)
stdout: 1:02:00
